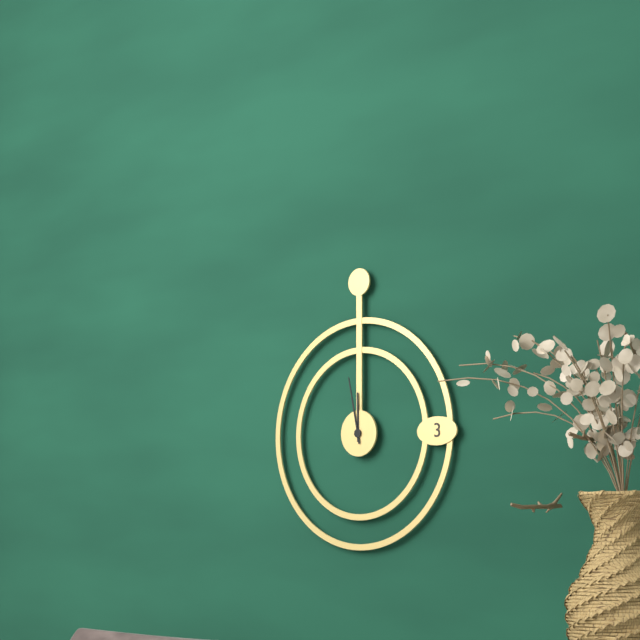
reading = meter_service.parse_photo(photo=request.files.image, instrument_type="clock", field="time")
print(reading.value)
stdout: 11:58
